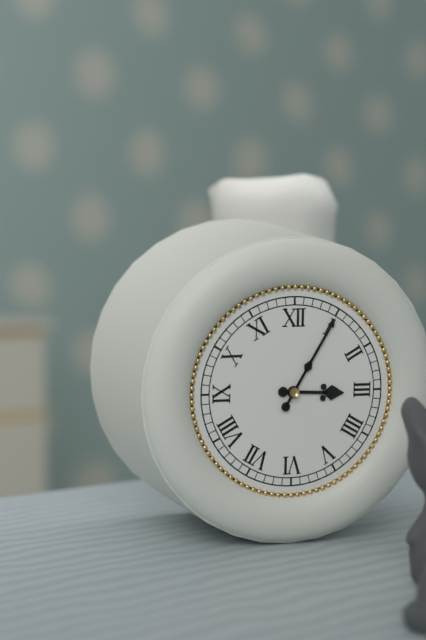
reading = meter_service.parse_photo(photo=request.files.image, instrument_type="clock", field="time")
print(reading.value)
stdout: 3:05
